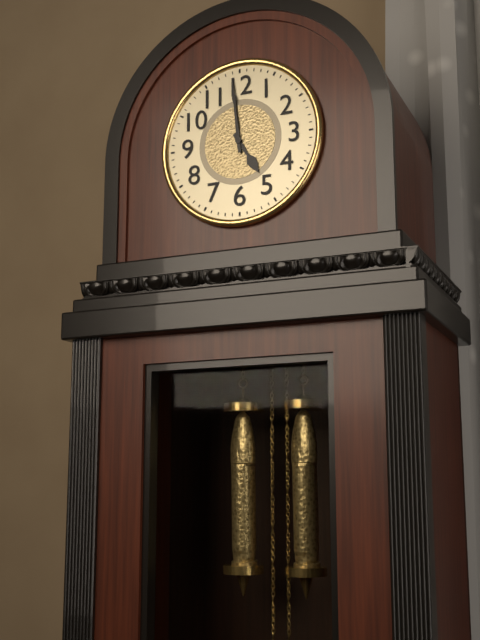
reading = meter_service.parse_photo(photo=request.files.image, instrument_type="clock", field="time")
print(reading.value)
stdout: 4:59
